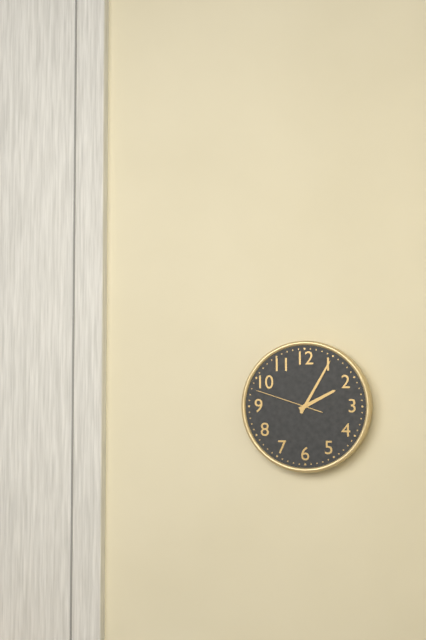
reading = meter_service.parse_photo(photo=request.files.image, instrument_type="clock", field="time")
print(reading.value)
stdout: 2:05:48
